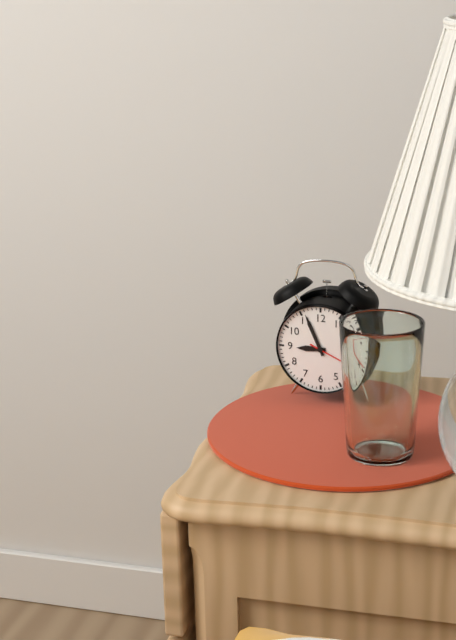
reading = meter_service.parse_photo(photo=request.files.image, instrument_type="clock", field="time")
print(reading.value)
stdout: 8:56:19
